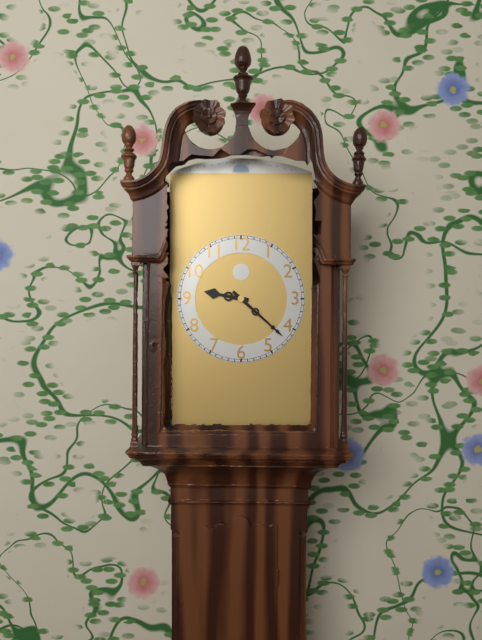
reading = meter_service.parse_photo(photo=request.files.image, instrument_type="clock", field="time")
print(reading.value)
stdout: 9:22
